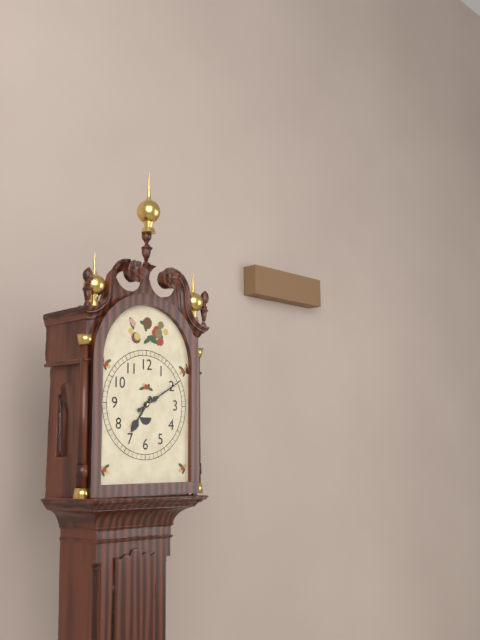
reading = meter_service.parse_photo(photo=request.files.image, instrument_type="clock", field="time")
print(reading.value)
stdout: 7:10
